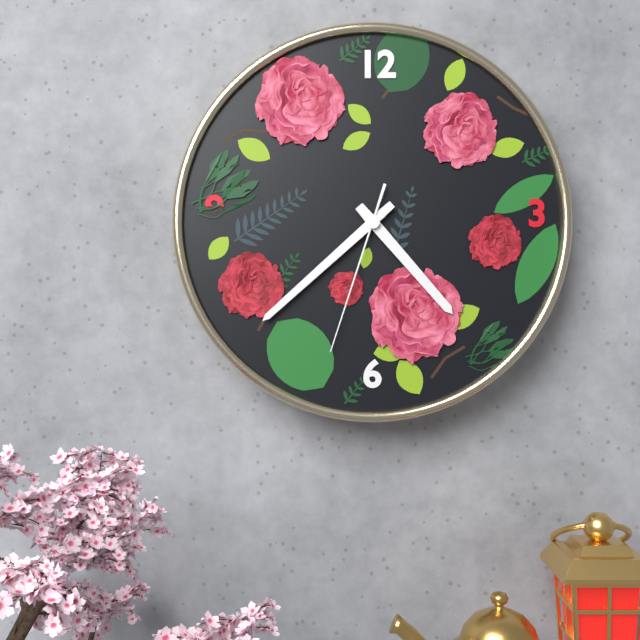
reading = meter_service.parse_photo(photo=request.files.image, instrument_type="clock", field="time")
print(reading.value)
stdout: 4:38:33
